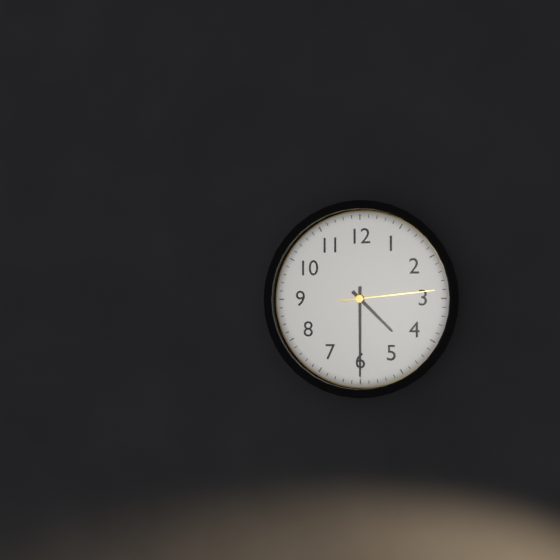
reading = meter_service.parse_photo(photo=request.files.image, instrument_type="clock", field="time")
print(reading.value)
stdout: 4:30:14
